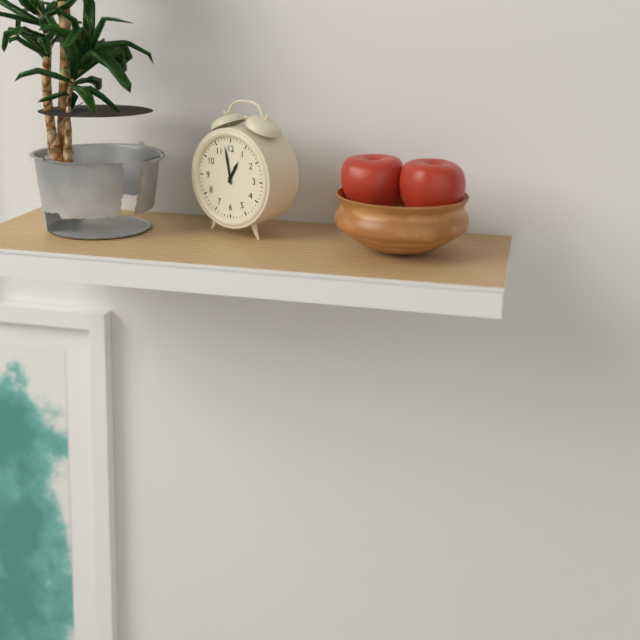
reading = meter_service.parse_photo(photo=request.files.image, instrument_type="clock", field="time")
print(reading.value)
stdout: 12:58
